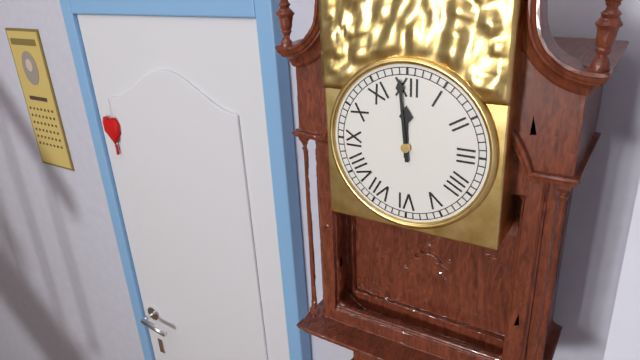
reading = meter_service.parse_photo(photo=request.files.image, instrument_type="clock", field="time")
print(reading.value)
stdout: 11:59
